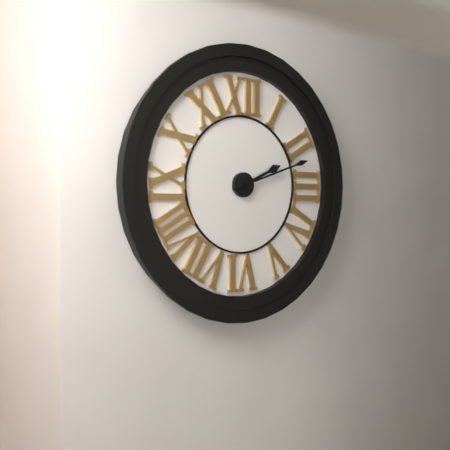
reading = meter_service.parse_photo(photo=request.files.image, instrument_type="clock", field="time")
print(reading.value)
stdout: 2:12
